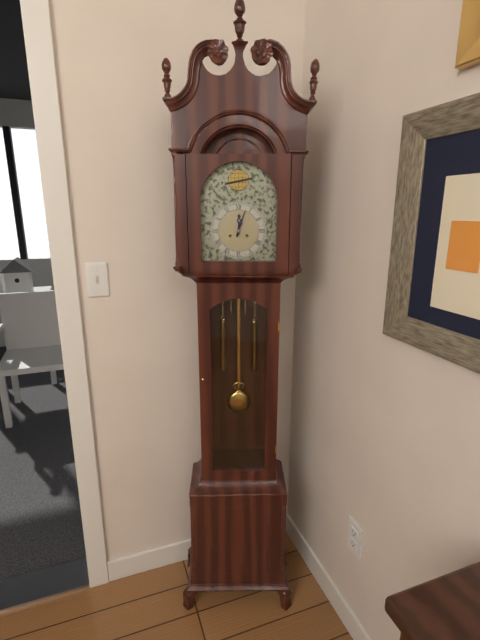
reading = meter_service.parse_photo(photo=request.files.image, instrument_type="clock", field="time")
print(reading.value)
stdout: 12:03
